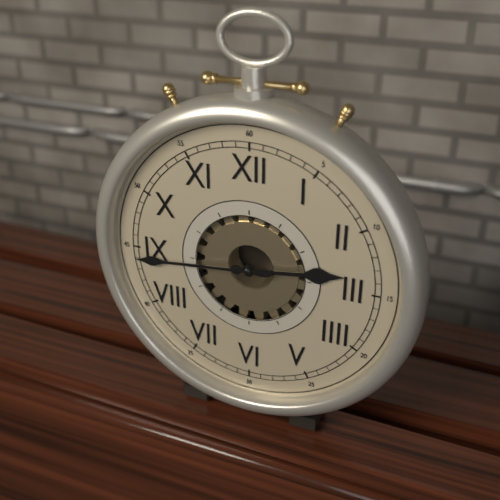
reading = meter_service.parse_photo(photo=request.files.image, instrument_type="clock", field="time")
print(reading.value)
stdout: 2:44
